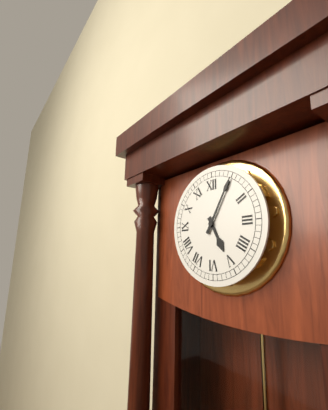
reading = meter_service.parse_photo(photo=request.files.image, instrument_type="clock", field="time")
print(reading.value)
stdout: 5:05
